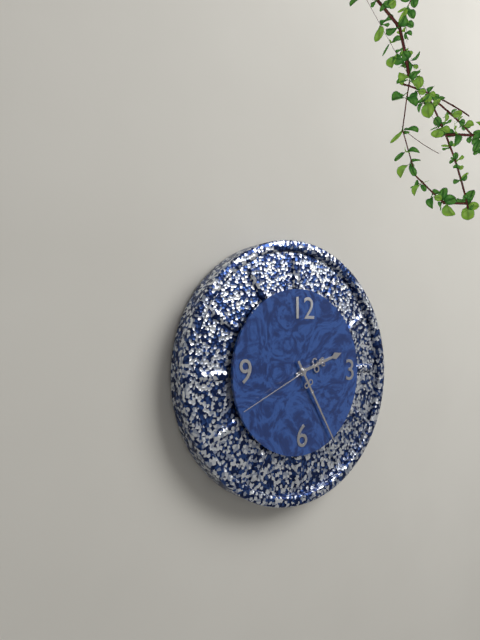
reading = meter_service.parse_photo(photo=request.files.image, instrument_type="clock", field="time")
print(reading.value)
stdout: 2:25:41
